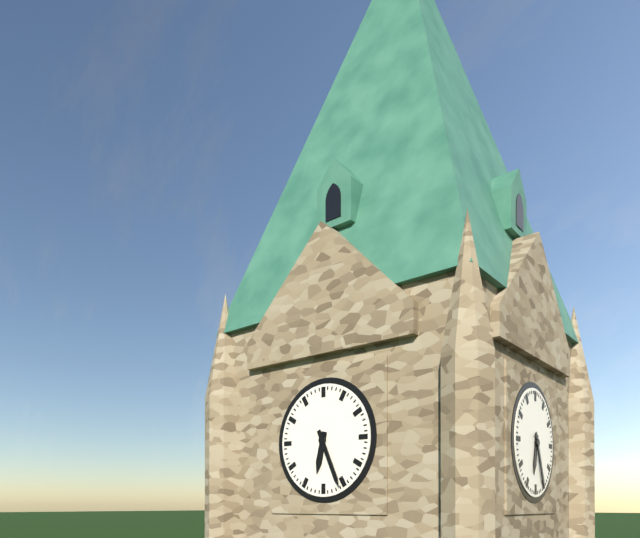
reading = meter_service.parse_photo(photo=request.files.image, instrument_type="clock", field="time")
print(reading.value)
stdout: 6:26
